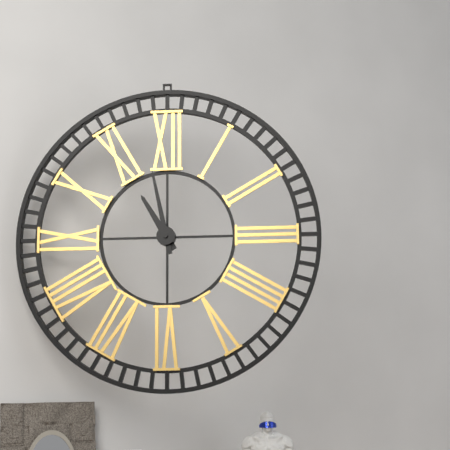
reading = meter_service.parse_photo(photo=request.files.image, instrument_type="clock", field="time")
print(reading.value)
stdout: 10:58
